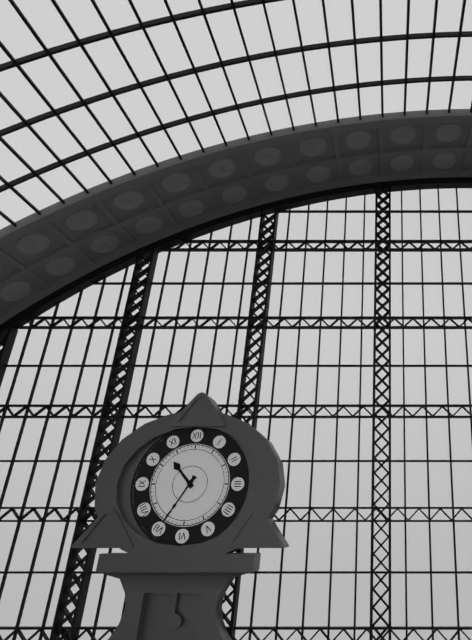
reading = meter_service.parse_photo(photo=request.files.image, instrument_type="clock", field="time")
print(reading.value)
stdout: 10:35
